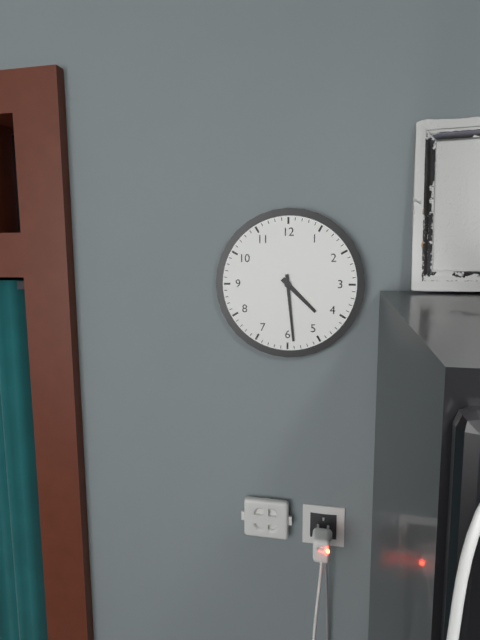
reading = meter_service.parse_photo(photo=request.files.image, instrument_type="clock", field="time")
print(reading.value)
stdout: 4:29
